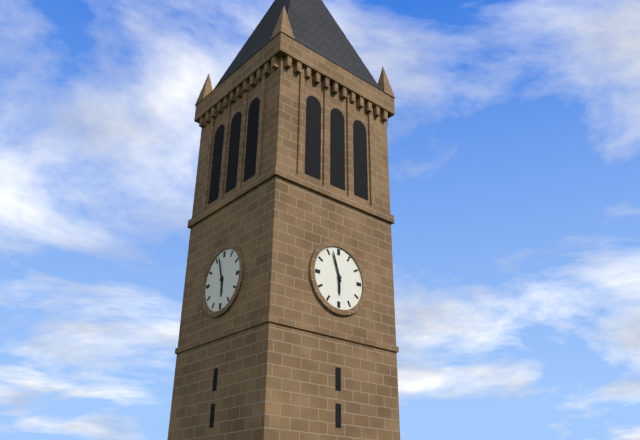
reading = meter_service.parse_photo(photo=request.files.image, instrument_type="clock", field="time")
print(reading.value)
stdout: 5:57
